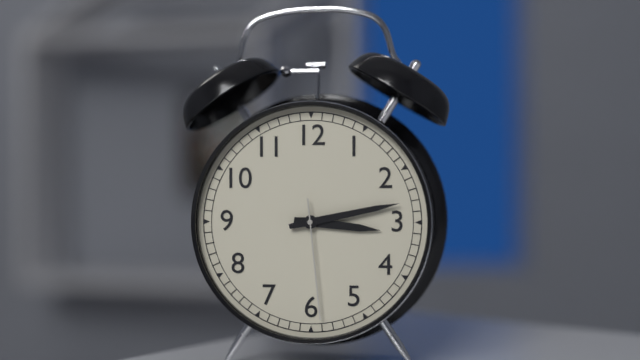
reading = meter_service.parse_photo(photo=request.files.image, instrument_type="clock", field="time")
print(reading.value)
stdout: 3:13:29
